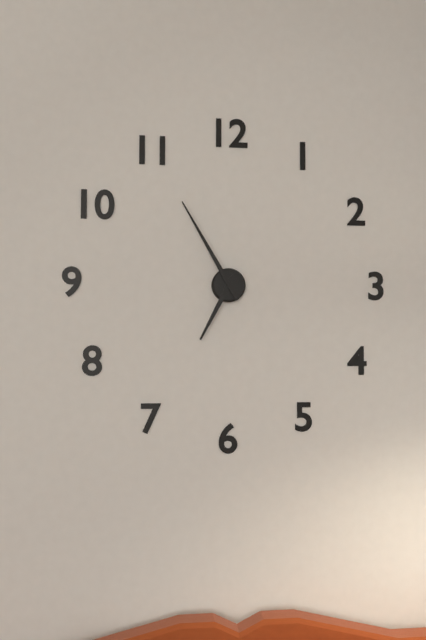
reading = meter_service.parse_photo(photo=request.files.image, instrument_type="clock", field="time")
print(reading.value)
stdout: 6:55
